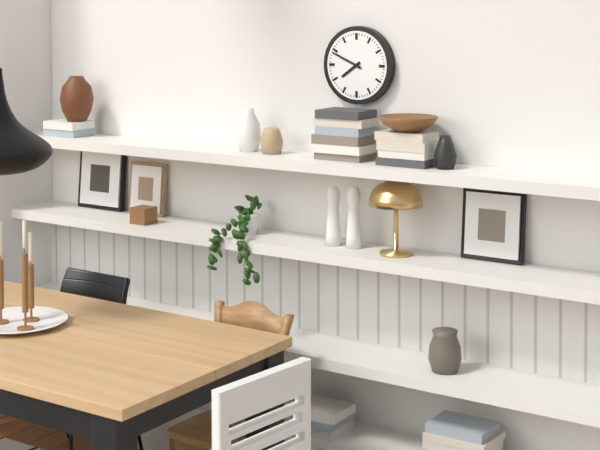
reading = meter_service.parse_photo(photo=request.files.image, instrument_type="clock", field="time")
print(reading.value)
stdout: 7:49
